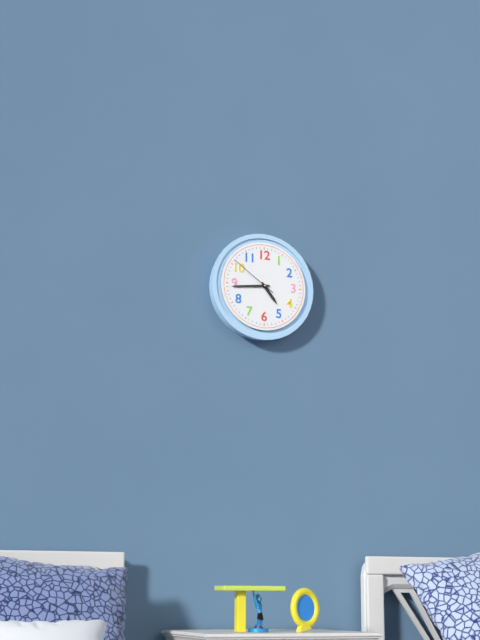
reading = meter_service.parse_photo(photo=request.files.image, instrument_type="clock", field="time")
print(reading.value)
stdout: 4:44
